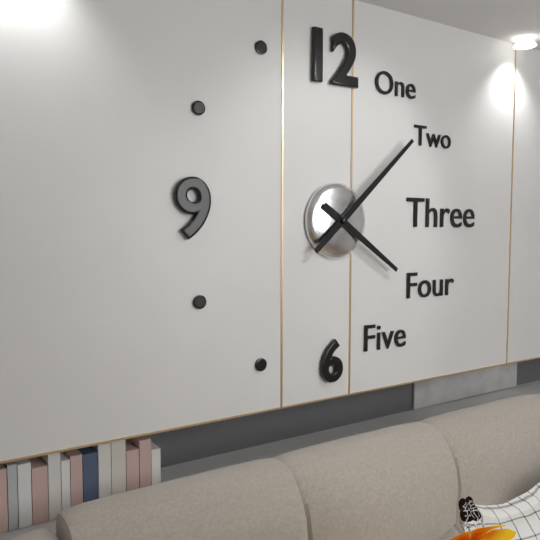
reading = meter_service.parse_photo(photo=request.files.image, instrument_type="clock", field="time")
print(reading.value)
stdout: 4:08
